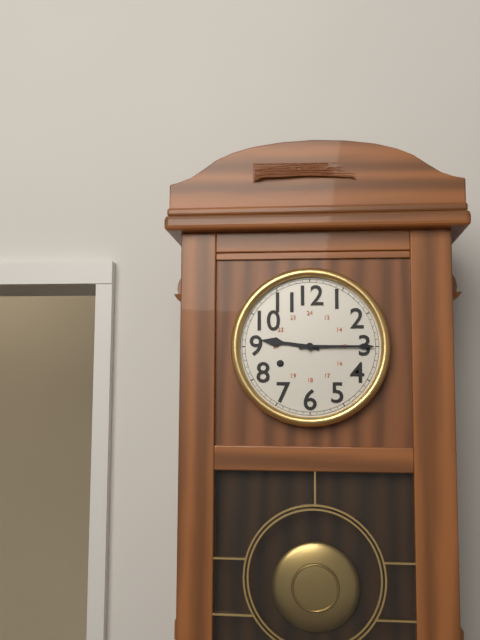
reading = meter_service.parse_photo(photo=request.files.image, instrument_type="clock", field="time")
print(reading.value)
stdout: 9:15
